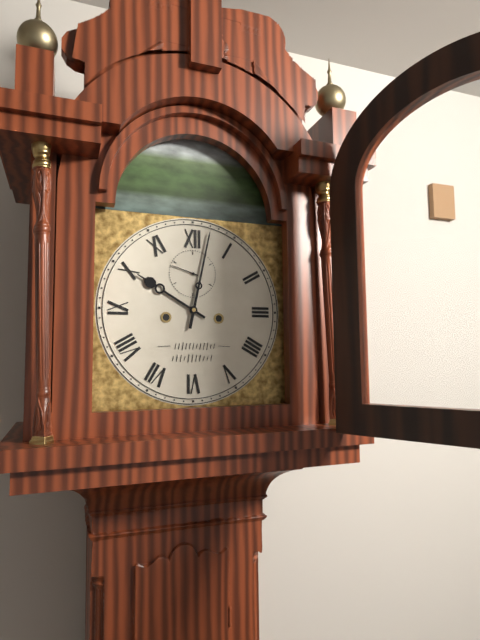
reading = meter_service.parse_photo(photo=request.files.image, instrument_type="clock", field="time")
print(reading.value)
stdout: 10:02
